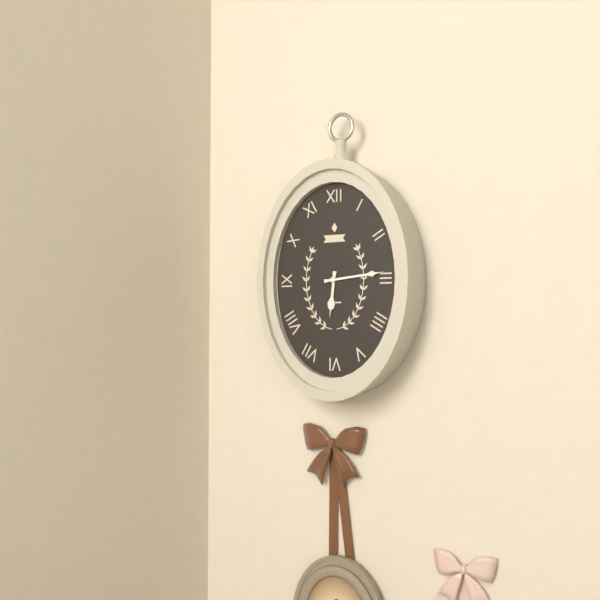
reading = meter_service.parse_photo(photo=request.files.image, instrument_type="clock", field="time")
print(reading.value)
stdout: 6:14
